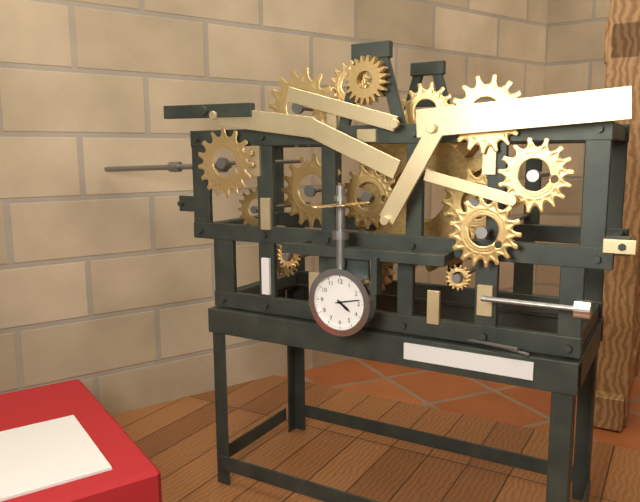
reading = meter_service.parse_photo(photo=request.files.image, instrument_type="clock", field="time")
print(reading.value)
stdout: 4:13
